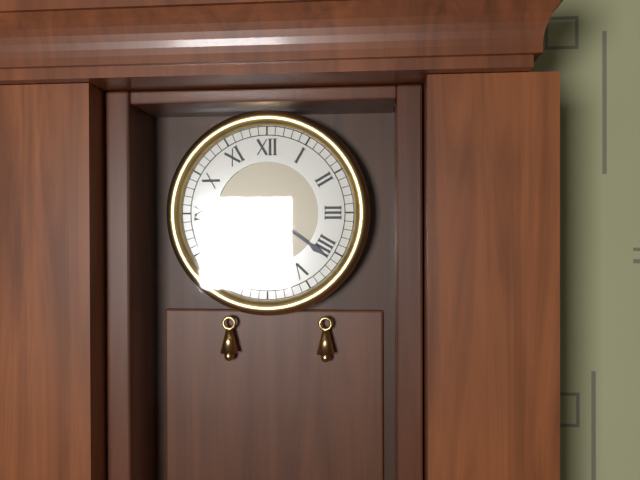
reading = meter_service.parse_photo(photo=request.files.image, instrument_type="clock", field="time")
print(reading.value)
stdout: 8:21
